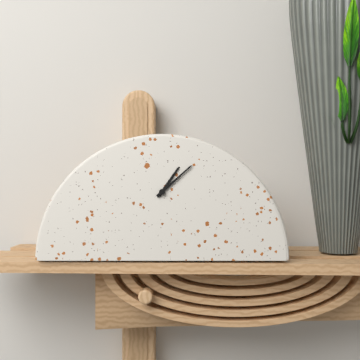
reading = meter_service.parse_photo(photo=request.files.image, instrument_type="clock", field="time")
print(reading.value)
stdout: 1:08
